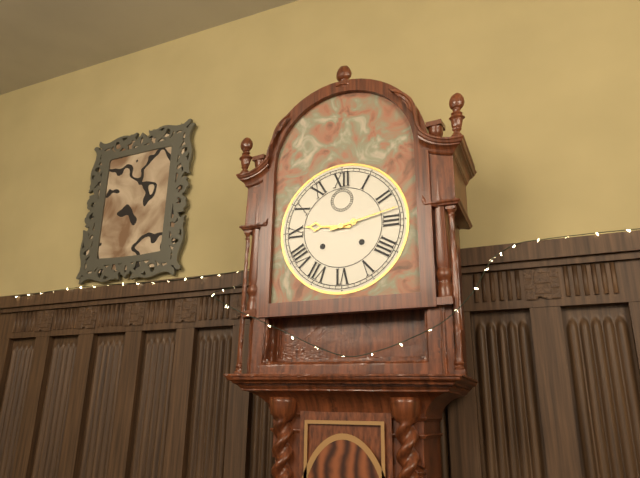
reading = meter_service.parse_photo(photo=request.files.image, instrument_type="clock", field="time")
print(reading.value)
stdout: 9:13
